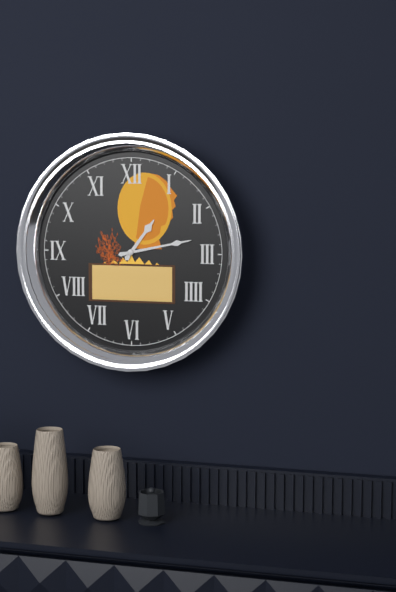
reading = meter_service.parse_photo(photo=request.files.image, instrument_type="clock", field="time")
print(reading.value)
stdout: 1:13
